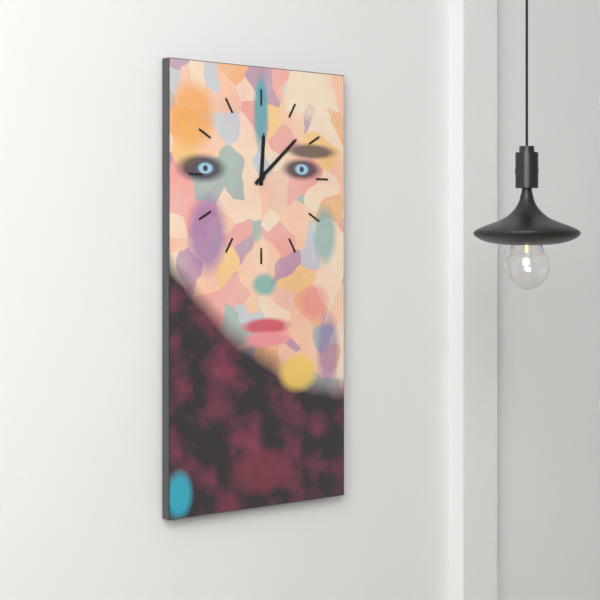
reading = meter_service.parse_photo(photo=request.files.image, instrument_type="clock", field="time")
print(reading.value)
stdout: 12:08
